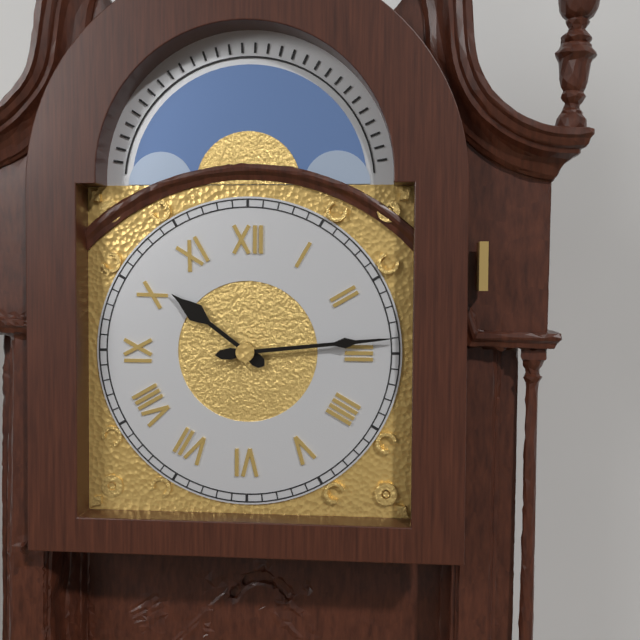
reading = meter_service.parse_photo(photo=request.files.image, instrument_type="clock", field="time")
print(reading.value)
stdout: 10:14
